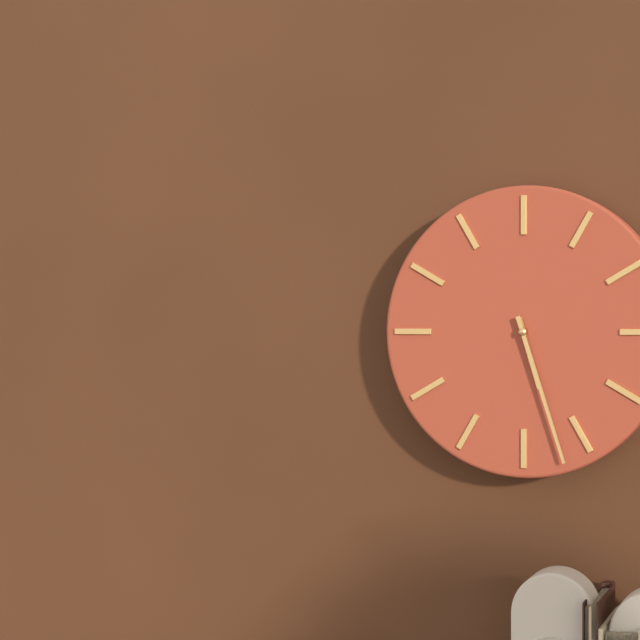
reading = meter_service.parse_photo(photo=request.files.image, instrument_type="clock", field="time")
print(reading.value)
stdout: 5:27
